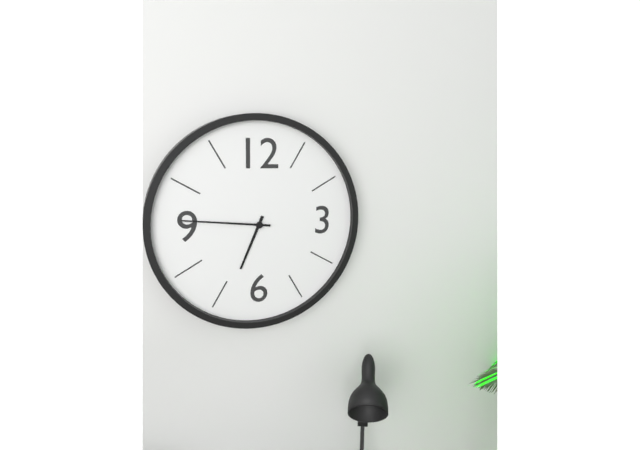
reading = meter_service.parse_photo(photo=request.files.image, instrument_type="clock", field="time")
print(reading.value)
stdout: 6:46
